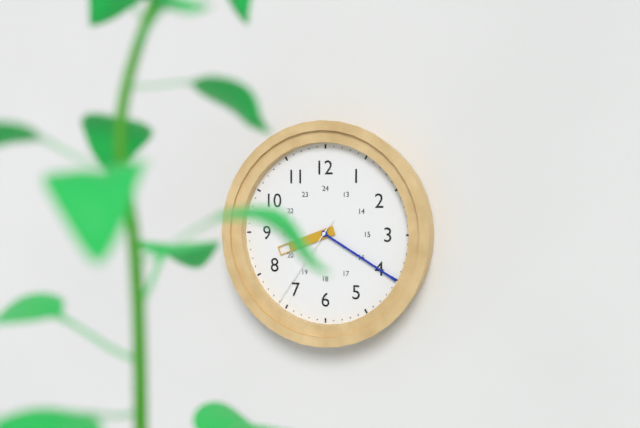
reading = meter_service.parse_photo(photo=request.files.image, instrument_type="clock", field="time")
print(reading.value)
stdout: 8:20:36
